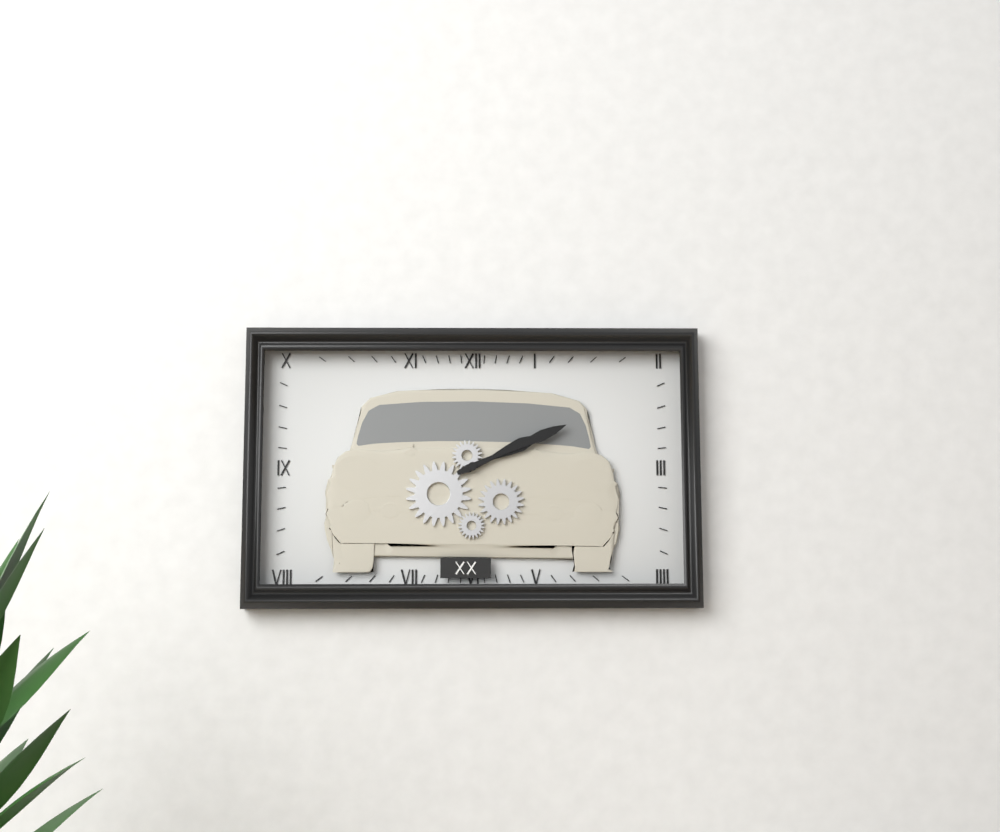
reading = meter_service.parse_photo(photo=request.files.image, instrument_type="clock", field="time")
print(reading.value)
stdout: 2:11
